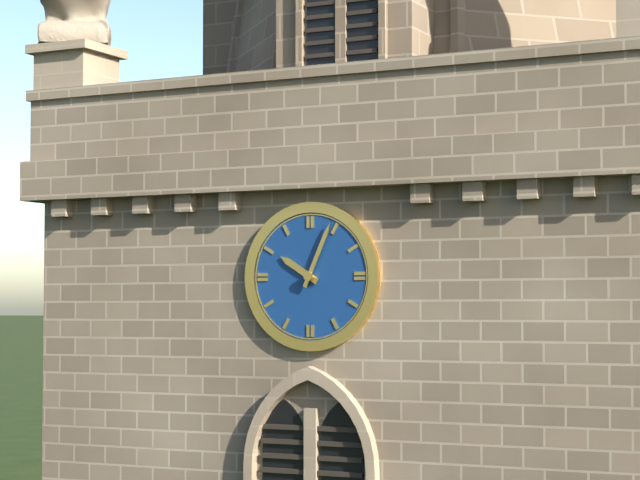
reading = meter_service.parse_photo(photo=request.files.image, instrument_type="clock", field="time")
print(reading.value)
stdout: 10:04
